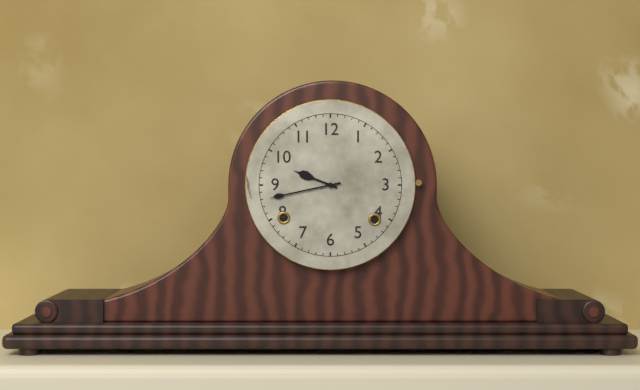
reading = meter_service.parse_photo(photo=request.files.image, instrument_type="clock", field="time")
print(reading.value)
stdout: 9:43
